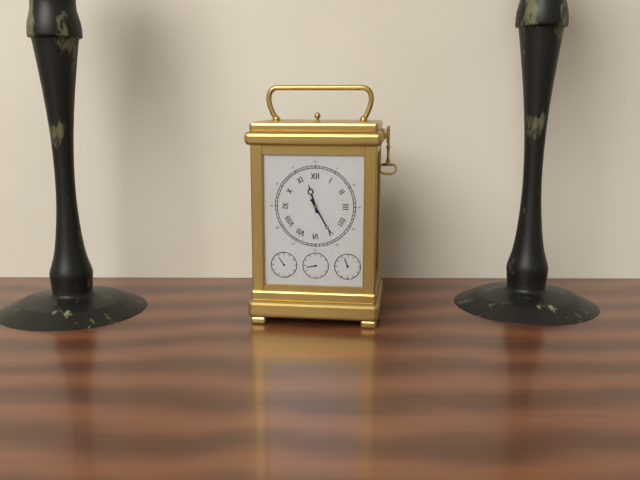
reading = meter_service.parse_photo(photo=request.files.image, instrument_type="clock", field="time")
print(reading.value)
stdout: 11:25
